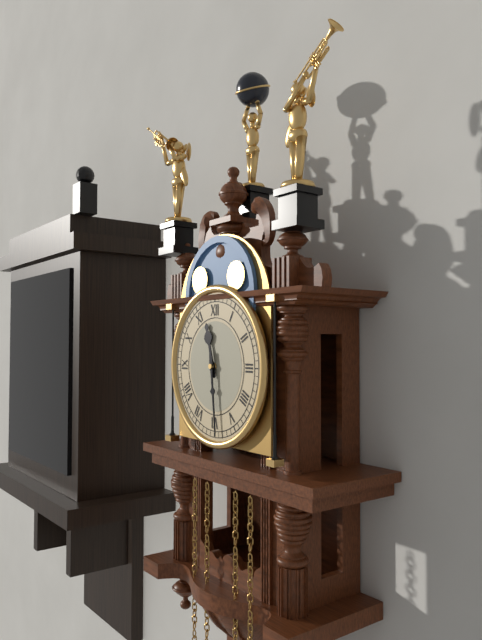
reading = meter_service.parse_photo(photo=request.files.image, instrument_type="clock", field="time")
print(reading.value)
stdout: 11:29
